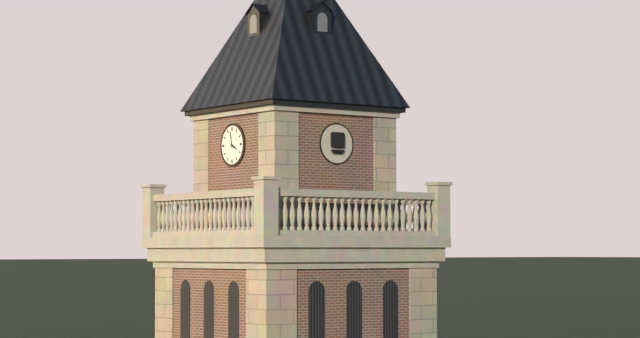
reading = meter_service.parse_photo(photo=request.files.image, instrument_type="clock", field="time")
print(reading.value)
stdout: 3:58
